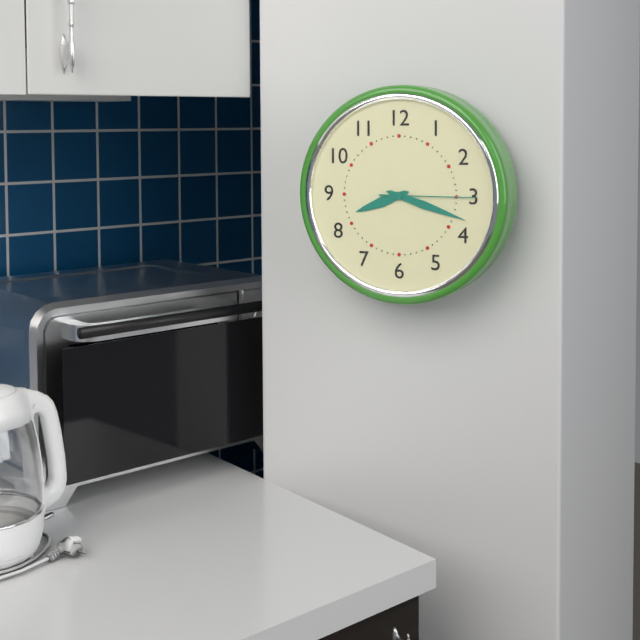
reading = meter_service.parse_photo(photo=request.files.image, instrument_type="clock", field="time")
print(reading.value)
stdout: 8:18:15
